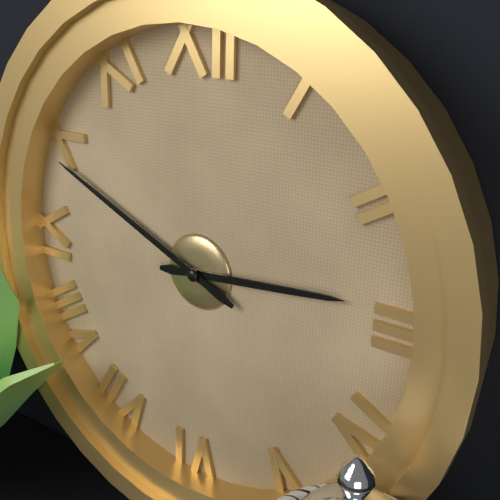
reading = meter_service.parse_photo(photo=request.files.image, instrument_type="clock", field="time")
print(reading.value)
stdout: 2:49
